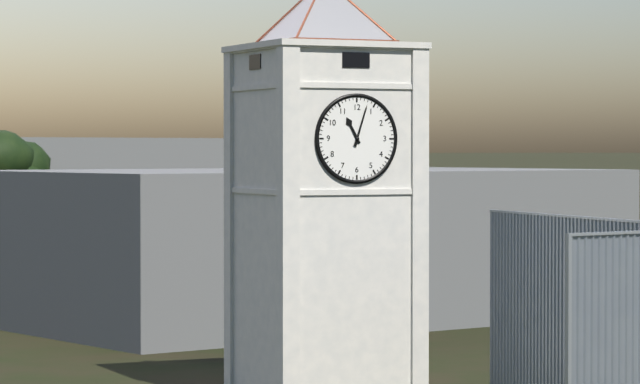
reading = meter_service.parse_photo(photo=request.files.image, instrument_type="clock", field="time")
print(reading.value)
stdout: 11:03
